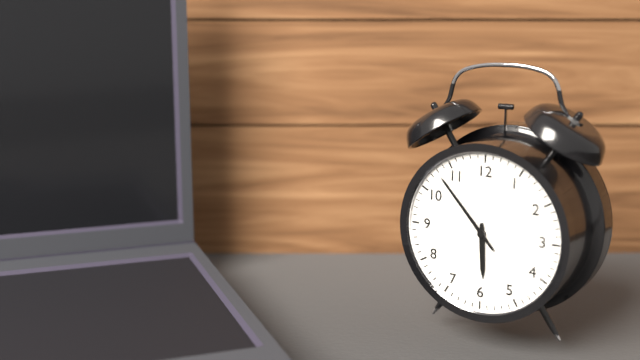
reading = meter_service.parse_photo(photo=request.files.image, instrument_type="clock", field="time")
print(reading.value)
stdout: 5:53
